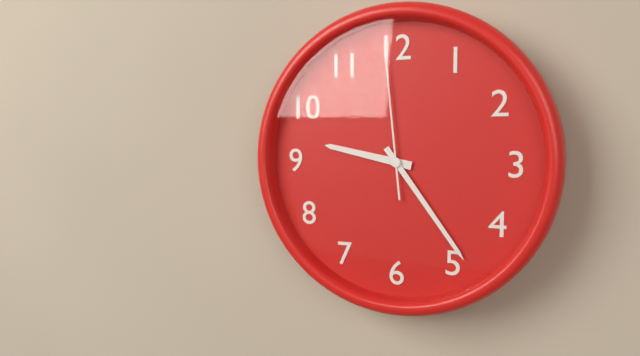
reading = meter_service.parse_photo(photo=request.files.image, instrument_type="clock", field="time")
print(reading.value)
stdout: 9:24:59
